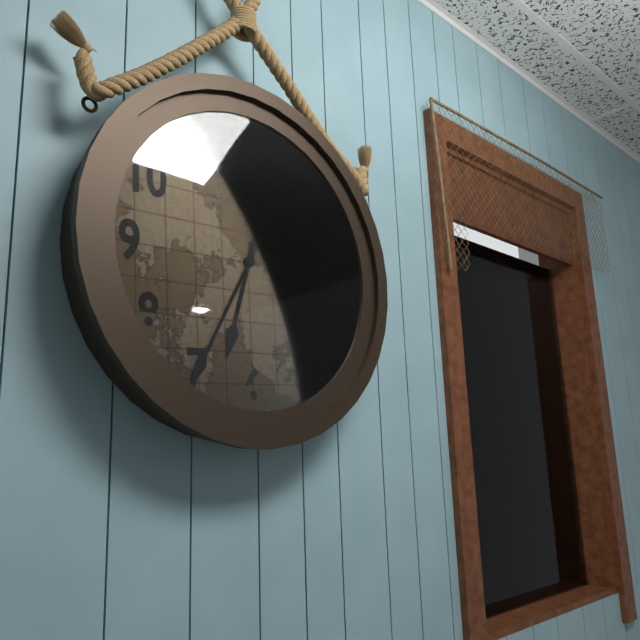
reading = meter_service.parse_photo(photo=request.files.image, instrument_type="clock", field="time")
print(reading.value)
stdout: 6:35
